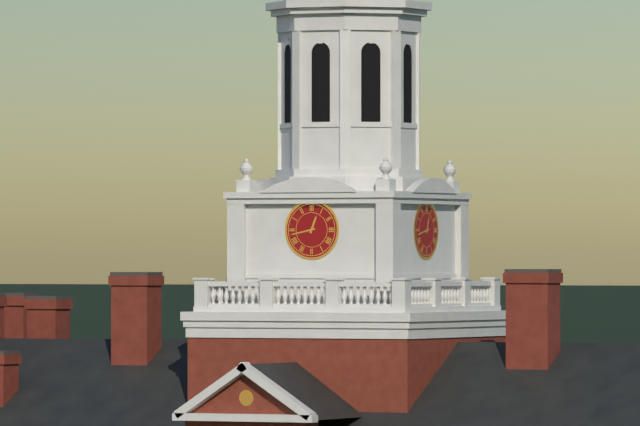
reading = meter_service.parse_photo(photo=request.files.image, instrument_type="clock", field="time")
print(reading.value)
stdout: 12:43
